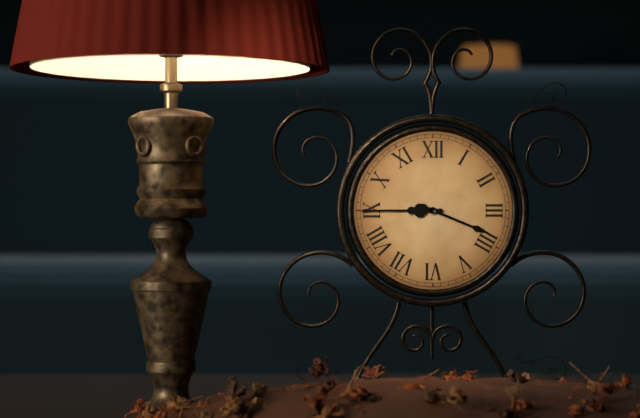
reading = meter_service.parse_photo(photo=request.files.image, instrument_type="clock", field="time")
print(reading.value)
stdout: 3:45
